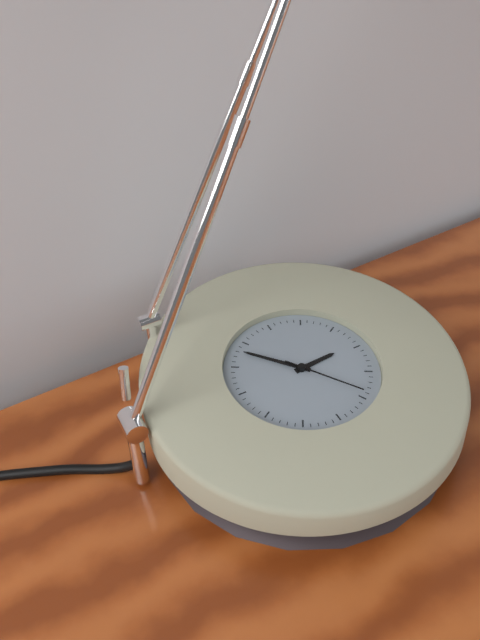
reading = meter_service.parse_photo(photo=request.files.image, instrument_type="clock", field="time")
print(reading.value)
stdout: 2:53:24
